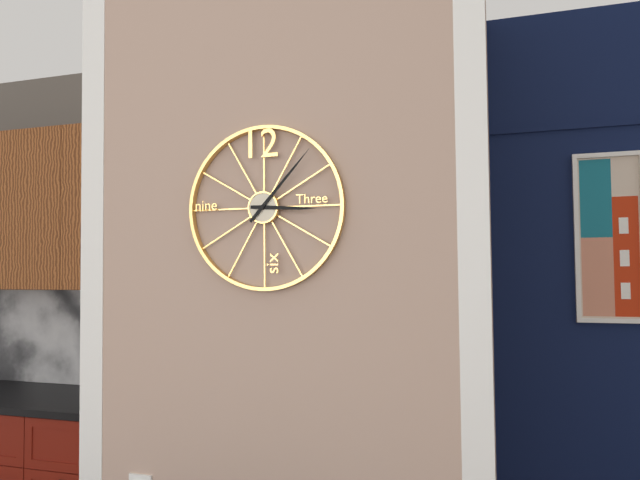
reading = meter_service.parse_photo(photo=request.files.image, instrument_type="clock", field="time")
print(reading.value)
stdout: 3:07
